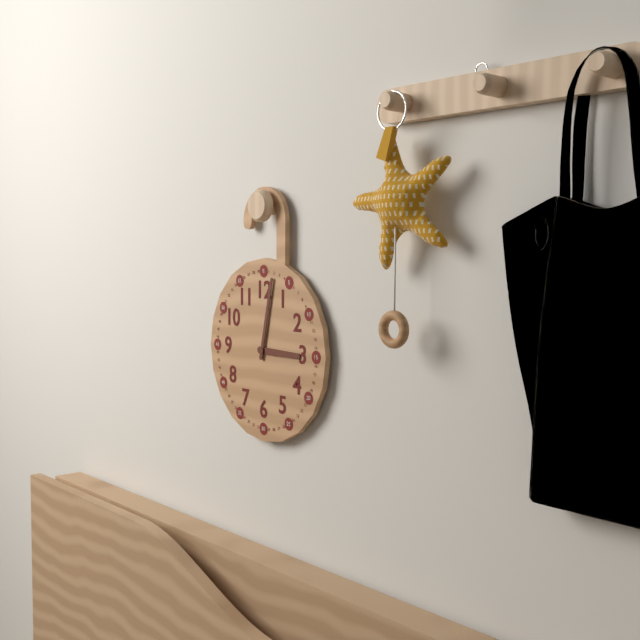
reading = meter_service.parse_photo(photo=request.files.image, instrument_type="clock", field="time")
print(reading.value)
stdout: 3:02
